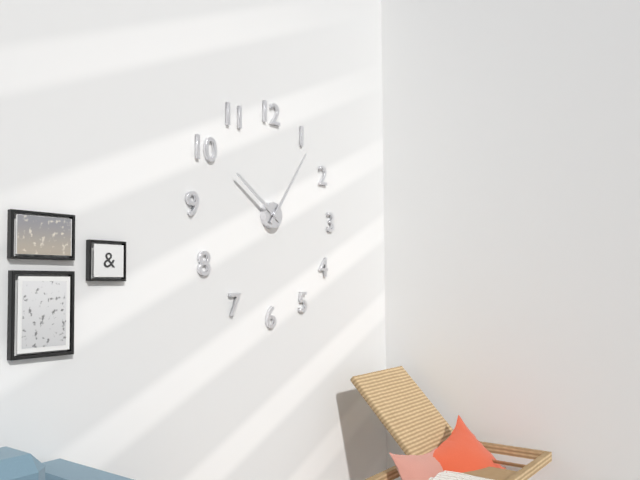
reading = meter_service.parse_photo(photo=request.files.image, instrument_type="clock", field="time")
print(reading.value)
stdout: 10:06
